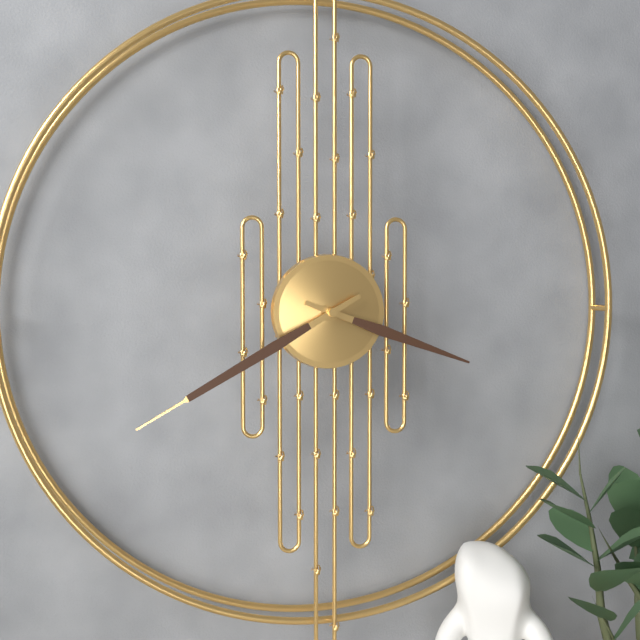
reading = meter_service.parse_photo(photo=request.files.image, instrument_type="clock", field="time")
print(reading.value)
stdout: 3:40
